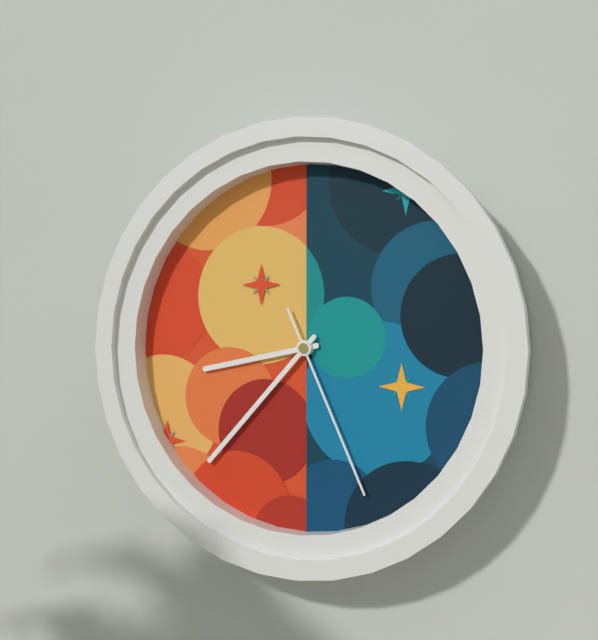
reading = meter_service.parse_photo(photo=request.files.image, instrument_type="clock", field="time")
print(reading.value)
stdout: 8:37:26
